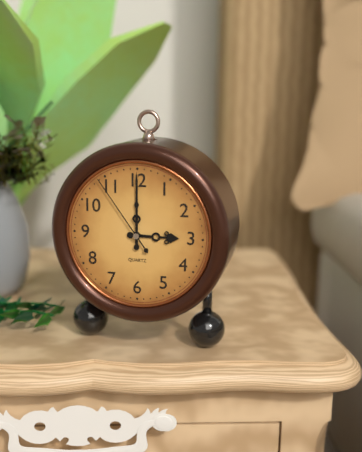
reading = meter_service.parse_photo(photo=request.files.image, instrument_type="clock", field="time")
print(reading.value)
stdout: 3:00:54
